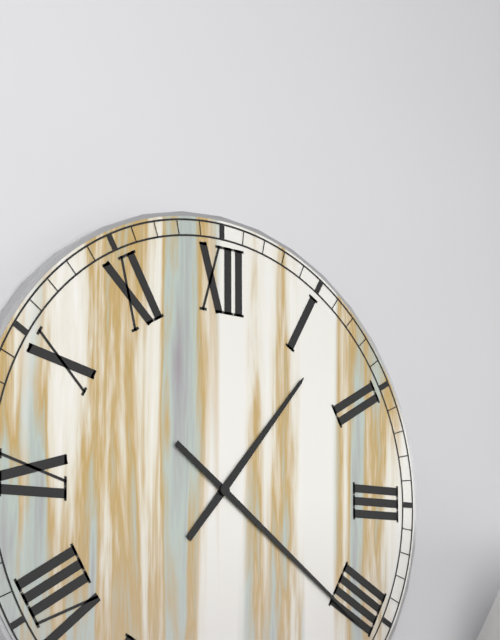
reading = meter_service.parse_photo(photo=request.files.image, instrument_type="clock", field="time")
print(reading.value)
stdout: 1:21
